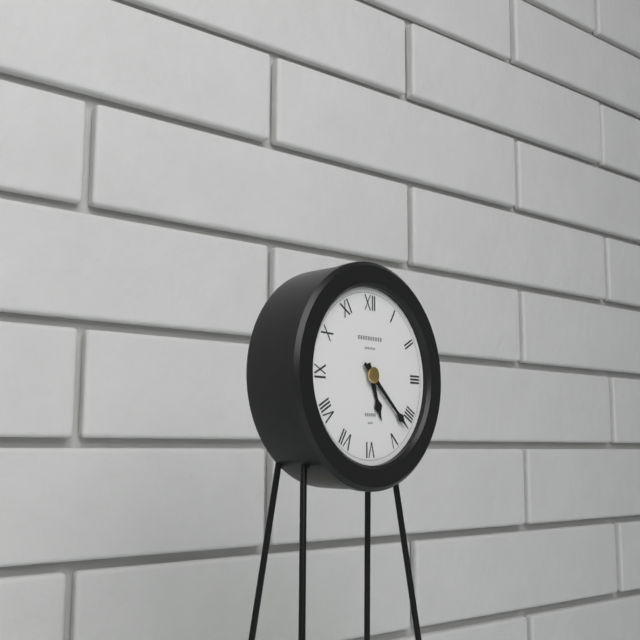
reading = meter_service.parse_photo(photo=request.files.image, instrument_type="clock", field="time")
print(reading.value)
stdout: 5:22
